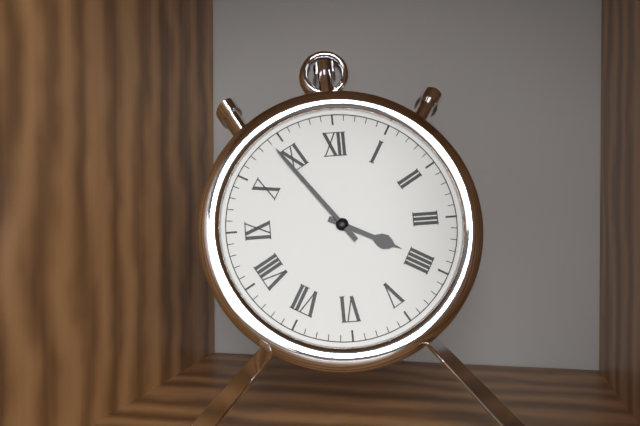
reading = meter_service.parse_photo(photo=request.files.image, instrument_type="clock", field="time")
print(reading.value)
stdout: 3:54
